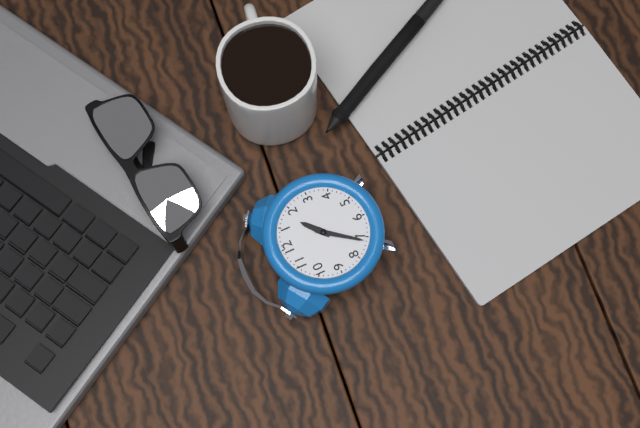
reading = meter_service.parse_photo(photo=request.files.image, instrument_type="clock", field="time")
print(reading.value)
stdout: 1:36
